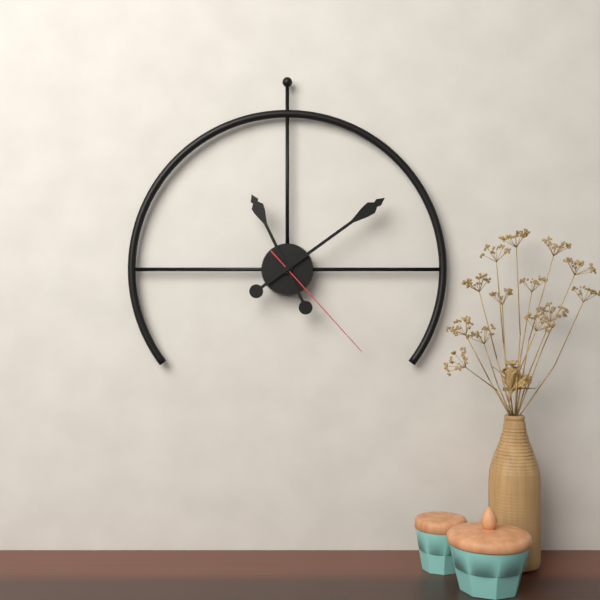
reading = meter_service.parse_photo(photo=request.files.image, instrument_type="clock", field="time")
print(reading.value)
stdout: 11:09:23
